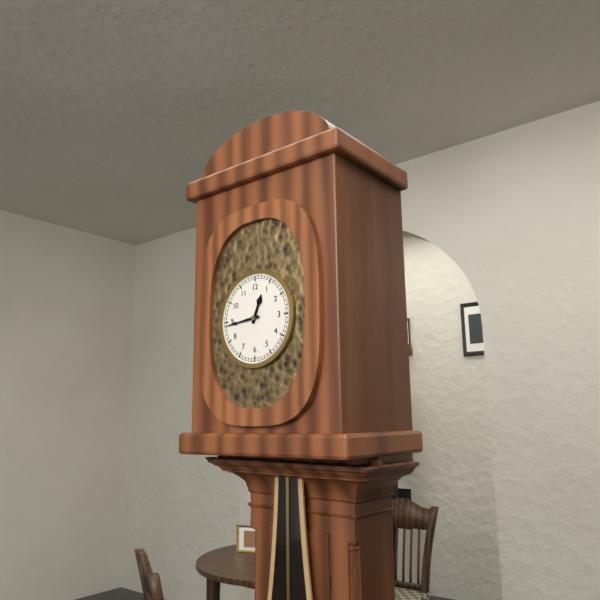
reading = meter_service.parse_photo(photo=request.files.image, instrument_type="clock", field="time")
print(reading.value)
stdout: 12:44
